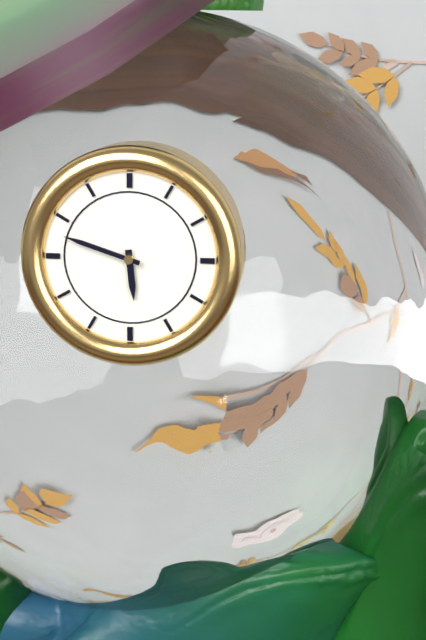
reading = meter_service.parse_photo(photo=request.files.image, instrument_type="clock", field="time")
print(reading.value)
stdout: 5:48
